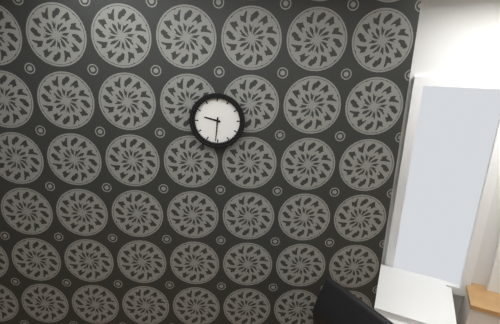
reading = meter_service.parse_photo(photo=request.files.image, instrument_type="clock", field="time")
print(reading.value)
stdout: 9:31
